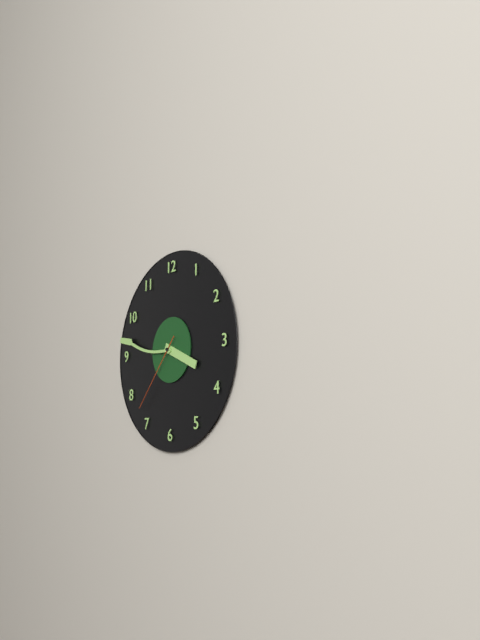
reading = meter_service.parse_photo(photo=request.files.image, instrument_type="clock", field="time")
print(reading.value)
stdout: 3:47:37
